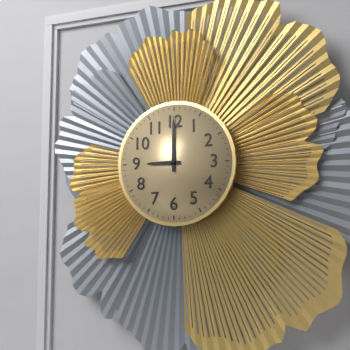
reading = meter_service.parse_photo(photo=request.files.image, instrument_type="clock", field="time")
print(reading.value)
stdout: 9:00
